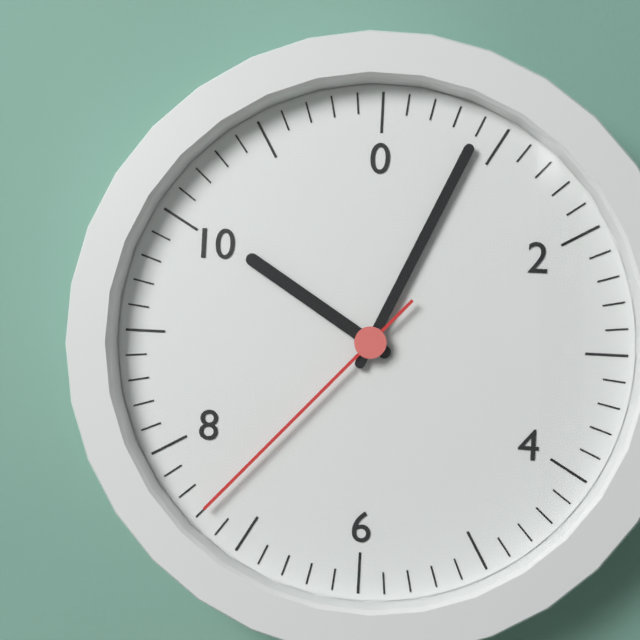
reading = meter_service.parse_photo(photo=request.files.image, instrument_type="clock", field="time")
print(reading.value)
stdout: 10:04:37
